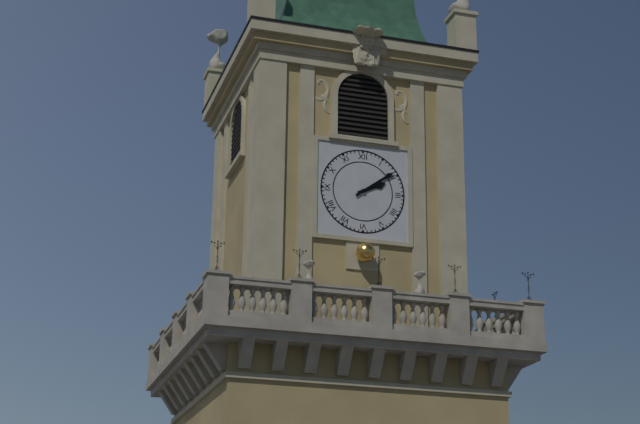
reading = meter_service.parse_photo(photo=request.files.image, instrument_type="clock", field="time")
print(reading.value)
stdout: 2:09
